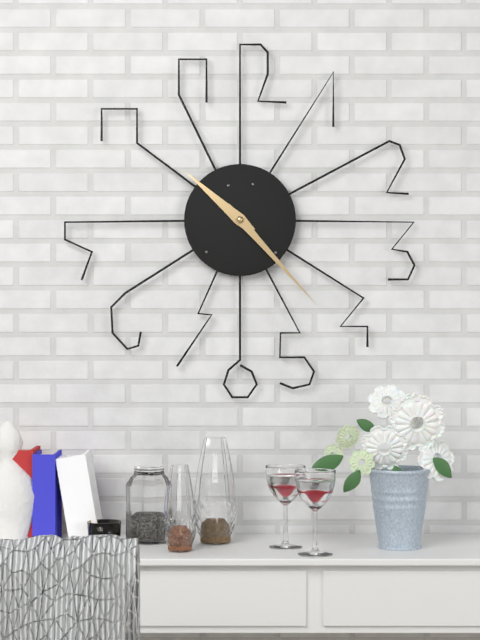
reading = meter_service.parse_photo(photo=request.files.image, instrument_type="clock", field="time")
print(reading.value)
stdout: 10:23
